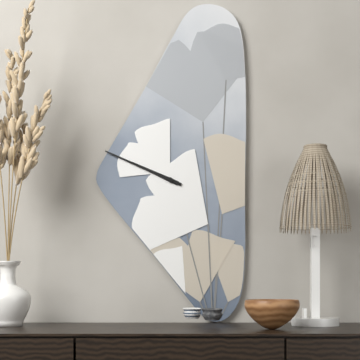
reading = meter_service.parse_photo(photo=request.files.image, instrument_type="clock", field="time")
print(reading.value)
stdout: 9:49
